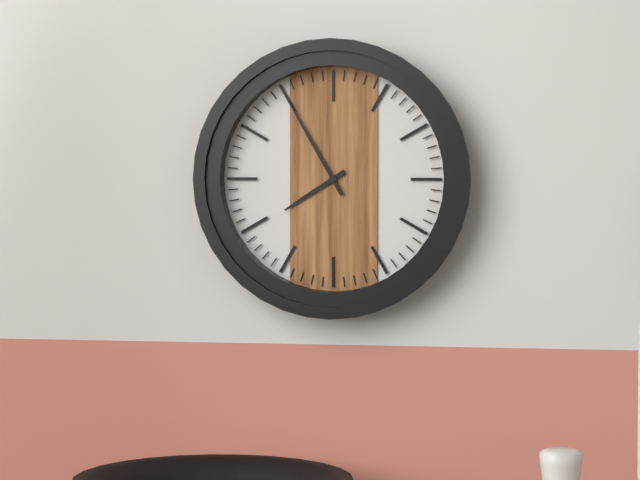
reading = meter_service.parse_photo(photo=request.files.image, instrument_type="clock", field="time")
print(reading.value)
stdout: 7:55
